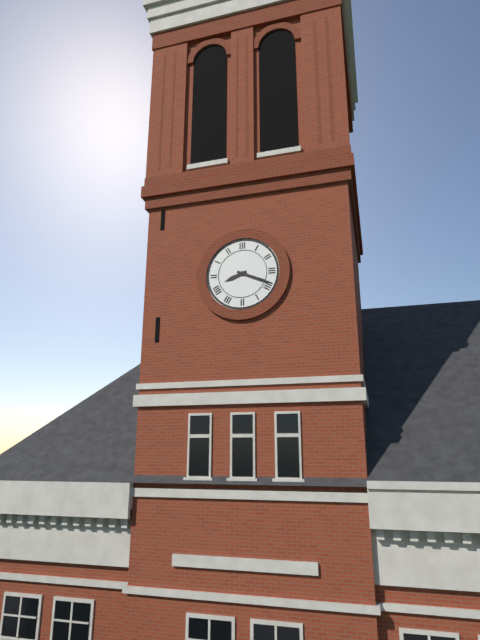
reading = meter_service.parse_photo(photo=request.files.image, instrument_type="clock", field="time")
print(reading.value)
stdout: 8:19
